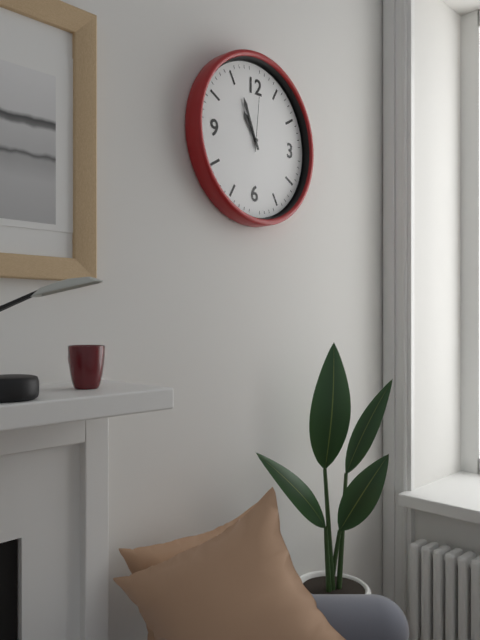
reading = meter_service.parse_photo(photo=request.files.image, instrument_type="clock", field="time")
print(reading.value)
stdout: 10:56:01
